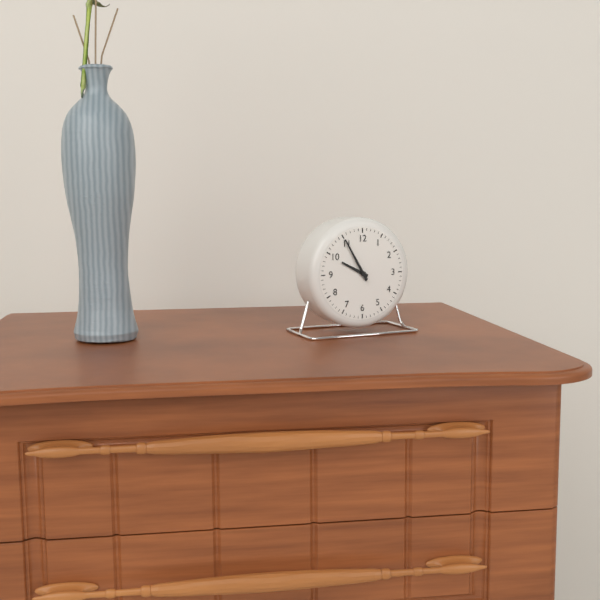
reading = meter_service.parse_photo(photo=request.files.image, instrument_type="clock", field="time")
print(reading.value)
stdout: 9:55
